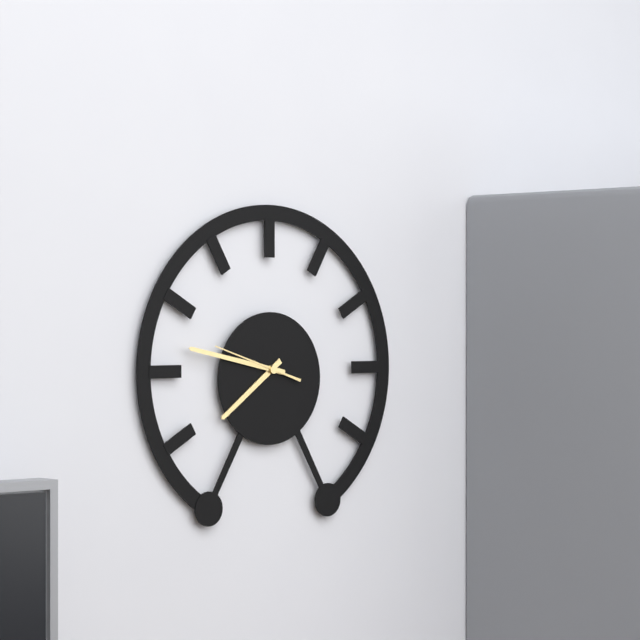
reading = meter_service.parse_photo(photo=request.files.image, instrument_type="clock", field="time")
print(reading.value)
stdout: 7:47:48
